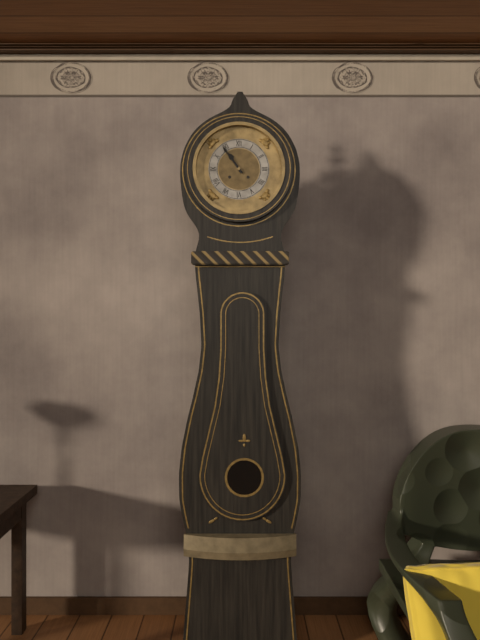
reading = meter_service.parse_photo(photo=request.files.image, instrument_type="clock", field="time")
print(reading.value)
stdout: 10:54
